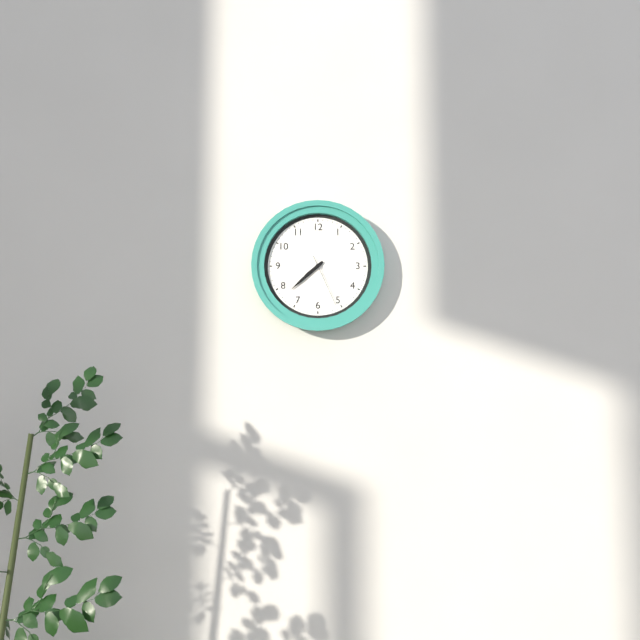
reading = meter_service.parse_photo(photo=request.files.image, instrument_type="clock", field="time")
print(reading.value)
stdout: 7:38:26
